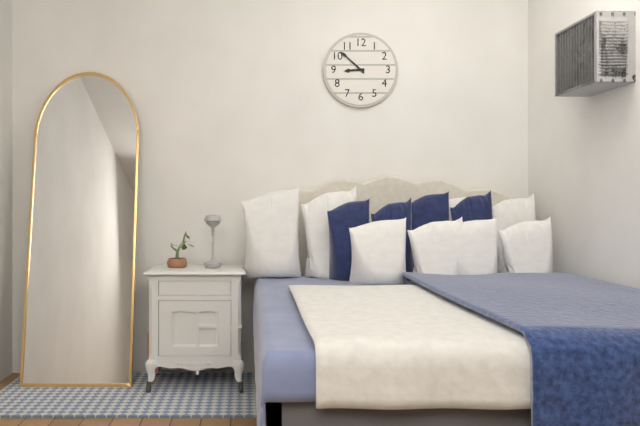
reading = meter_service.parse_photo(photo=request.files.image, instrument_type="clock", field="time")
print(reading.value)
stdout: 8:52
